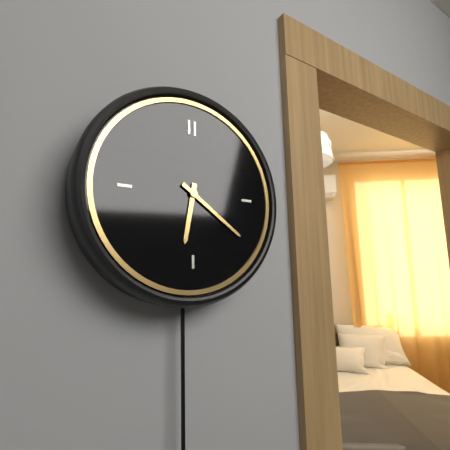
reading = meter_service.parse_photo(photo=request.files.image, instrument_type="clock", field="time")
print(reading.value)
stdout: 6:21
